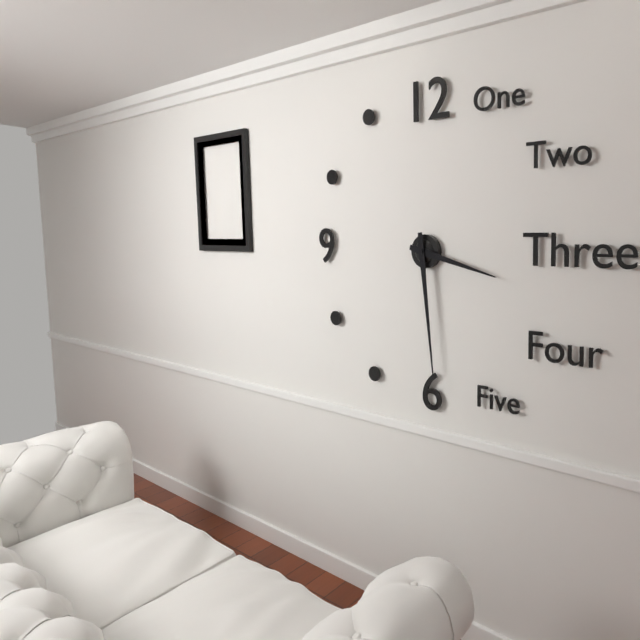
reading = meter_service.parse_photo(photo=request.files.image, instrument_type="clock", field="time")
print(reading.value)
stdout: 3:29
